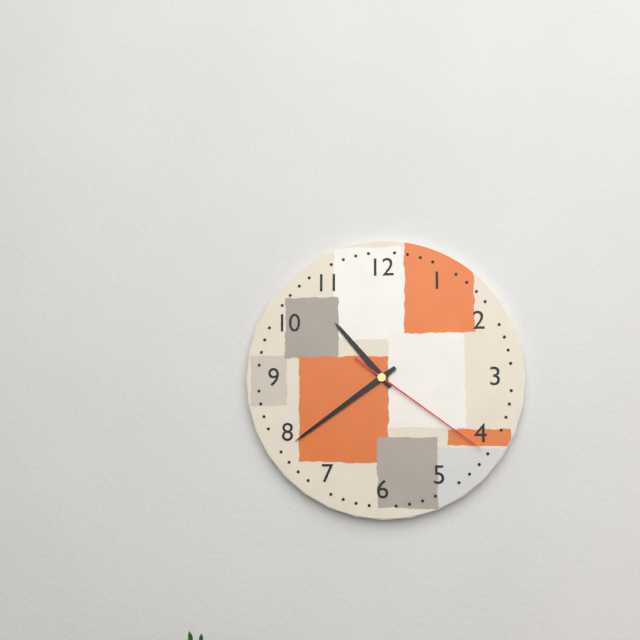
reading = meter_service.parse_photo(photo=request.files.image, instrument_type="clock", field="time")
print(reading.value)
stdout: 10:39:21
